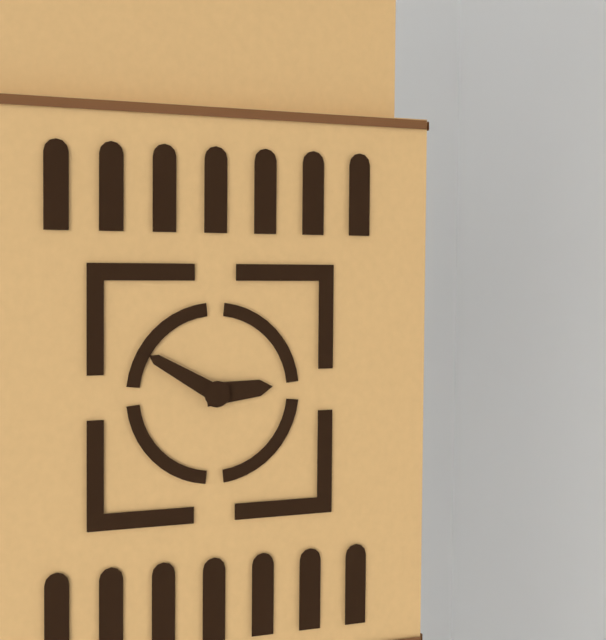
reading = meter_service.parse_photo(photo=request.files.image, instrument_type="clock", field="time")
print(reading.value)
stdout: 2:50
